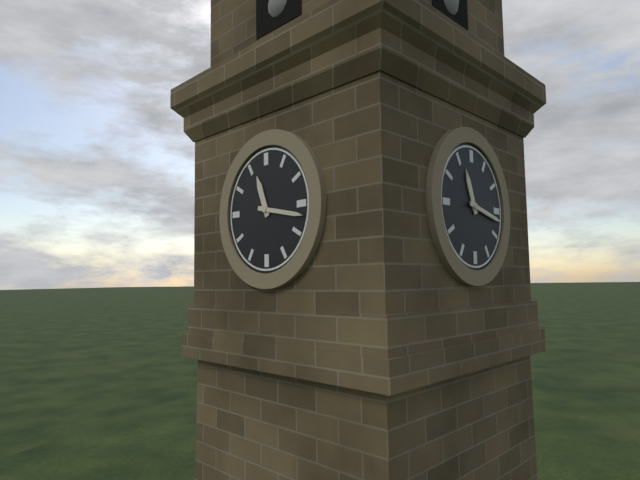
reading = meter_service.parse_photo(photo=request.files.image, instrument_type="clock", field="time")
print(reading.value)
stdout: 11:17
